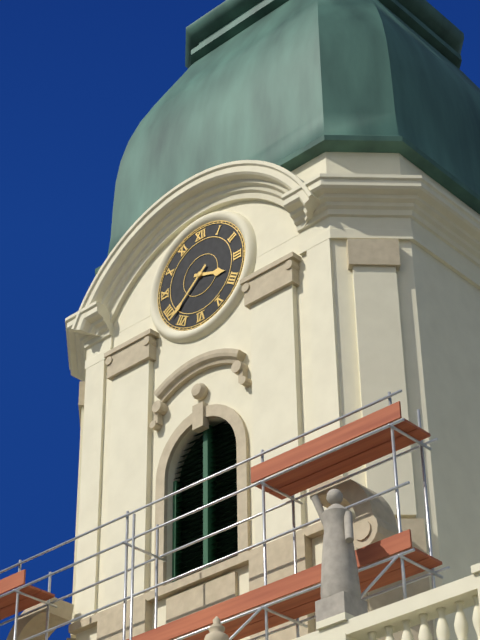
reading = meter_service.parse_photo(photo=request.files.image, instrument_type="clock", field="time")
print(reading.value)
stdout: 3:38
